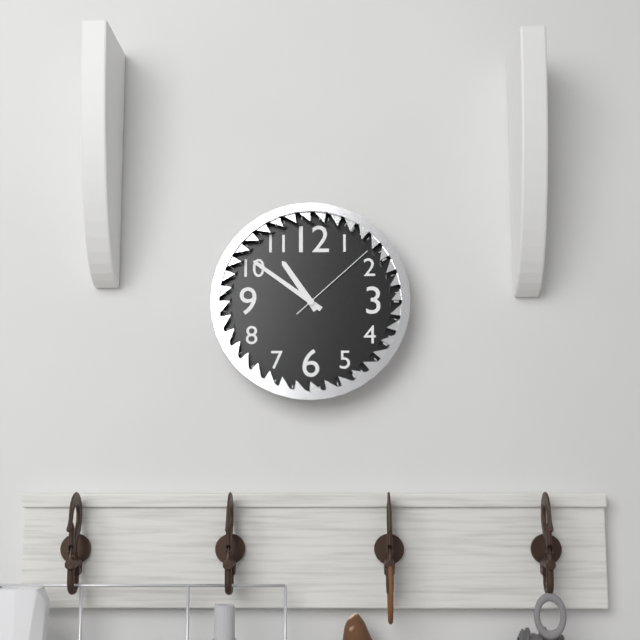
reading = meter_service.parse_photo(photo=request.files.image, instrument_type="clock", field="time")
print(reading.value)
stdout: 10:51:08
